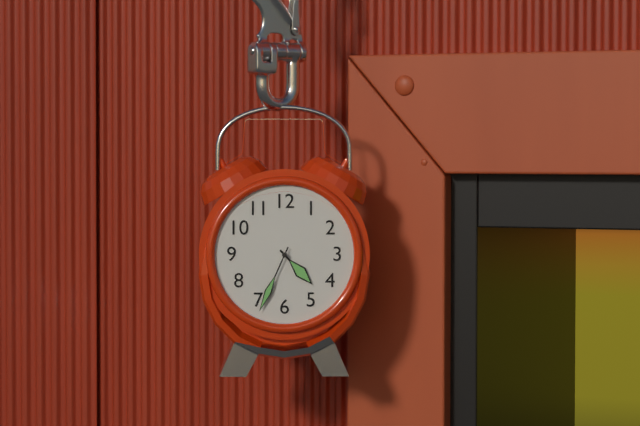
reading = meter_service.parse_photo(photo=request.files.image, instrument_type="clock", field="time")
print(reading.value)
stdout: 4:34
